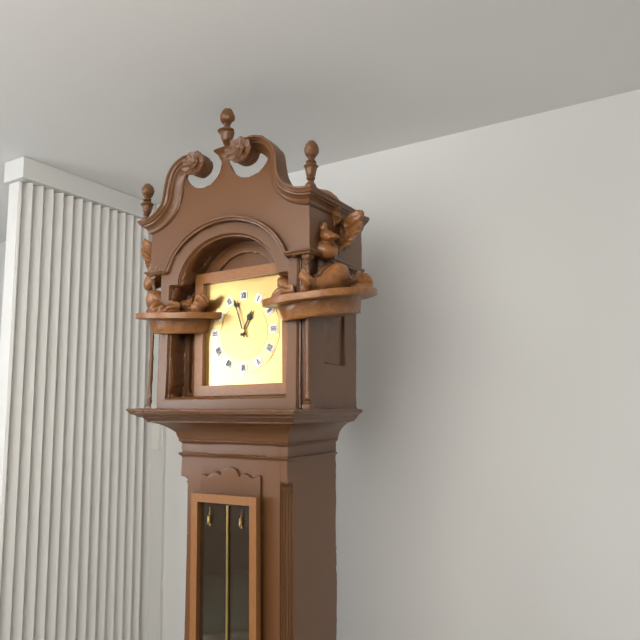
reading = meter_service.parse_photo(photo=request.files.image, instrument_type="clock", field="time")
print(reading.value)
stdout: 12:57
